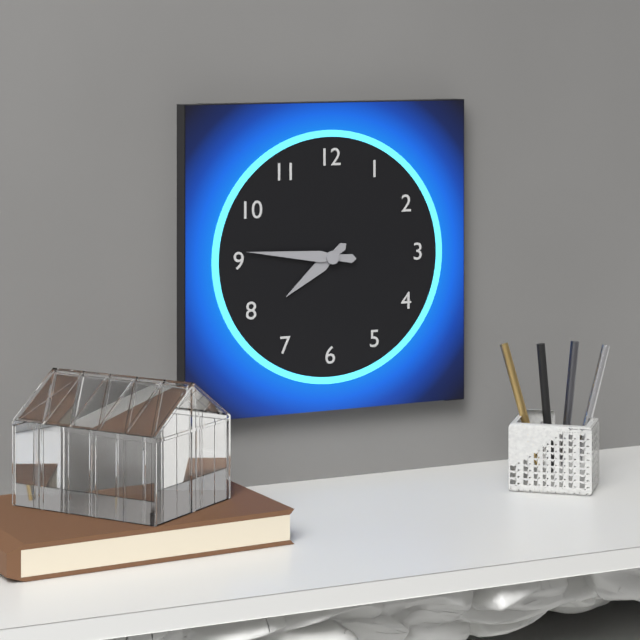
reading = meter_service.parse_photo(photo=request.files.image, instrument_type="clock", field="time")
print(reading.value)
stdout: 7:46
